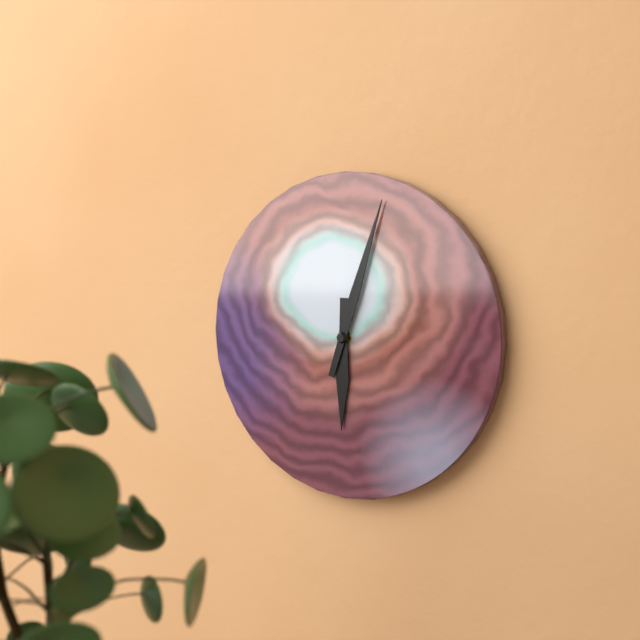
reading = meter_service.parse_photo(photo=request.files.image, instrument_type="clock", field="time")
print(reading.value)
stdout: 6:03
